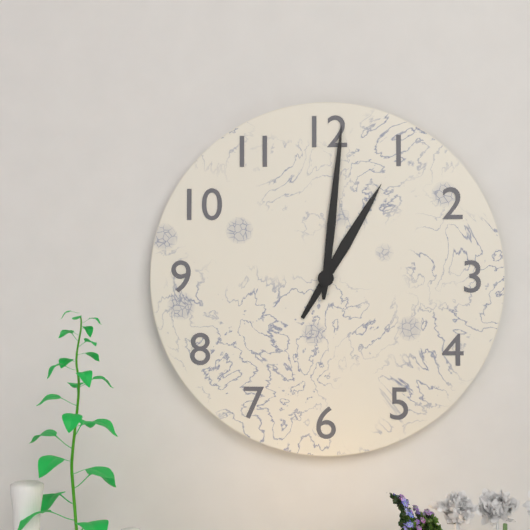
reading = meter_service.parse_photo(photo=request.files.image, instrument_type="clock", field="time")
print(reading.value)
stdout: 1:01
